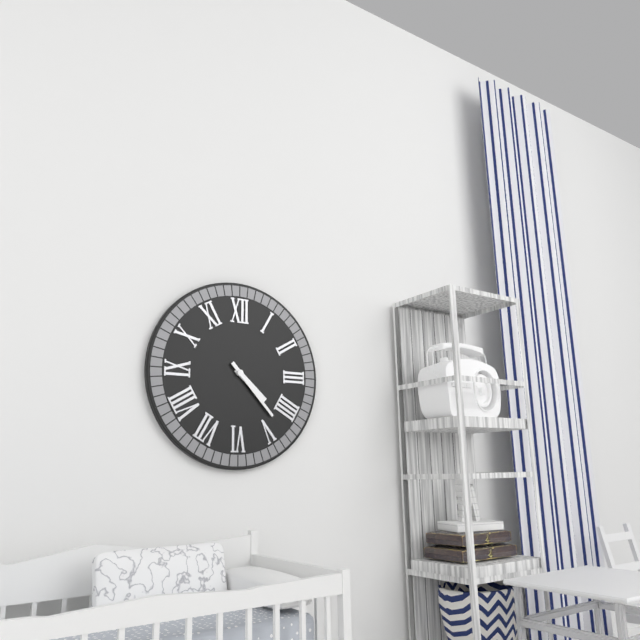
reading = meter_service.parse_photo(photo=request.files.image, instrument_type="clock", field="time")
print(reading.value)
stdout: 4:23
